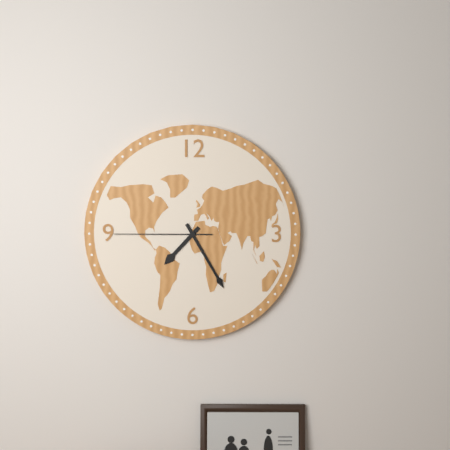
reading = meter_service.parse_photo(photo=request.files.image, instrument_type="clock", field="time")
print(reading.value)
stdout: 7:25:45
